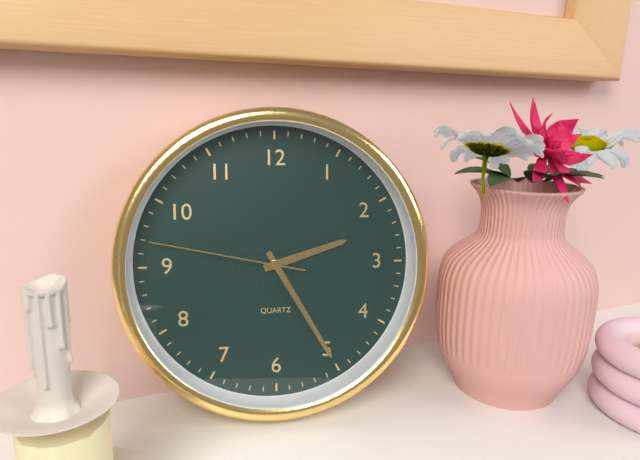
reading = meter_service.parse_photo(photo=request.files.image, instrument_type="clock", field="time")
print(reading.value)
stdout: 2:25:47
